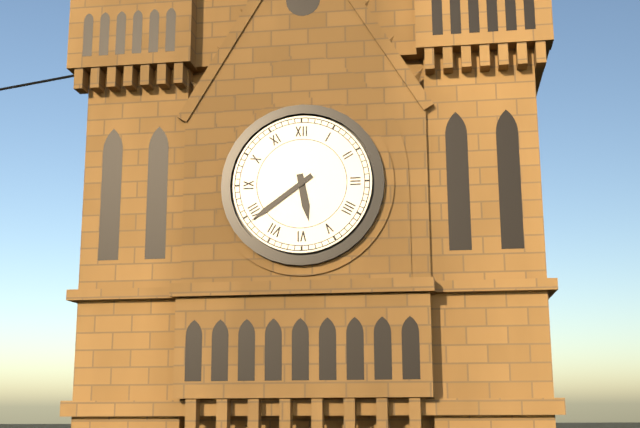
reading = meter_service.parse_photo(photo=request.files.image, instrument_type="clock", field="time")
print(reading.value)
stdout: 5:39
